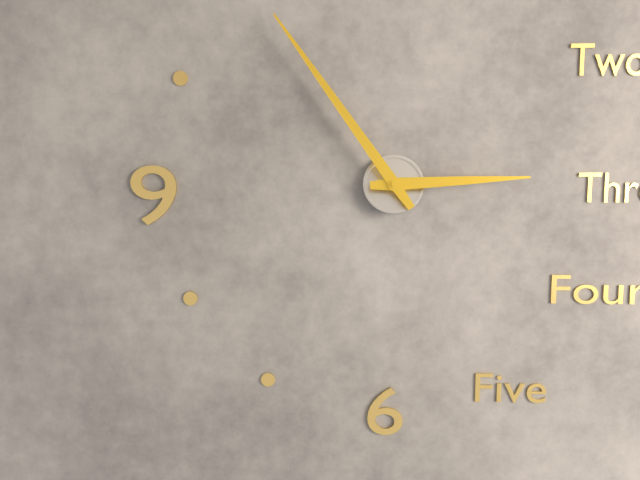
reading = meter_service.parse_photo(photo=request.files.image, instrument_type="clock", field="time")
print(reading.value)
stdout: 2:54
